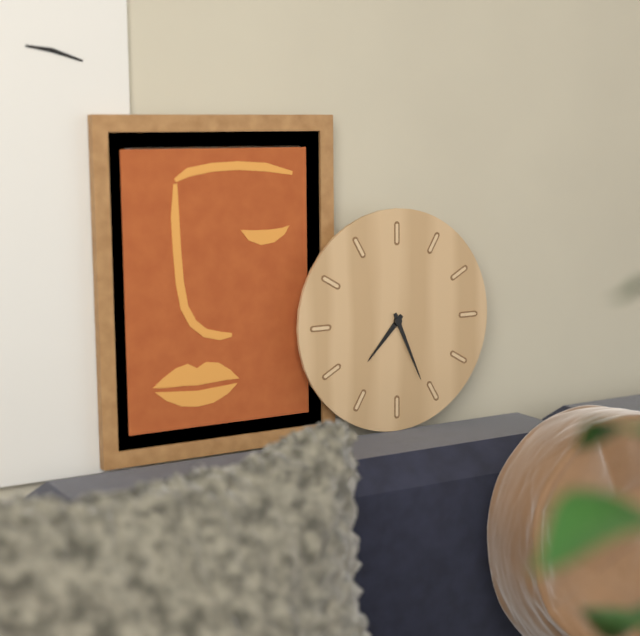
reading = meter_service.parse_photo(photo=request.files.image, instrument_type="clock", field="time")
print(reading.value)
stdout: 7:26
